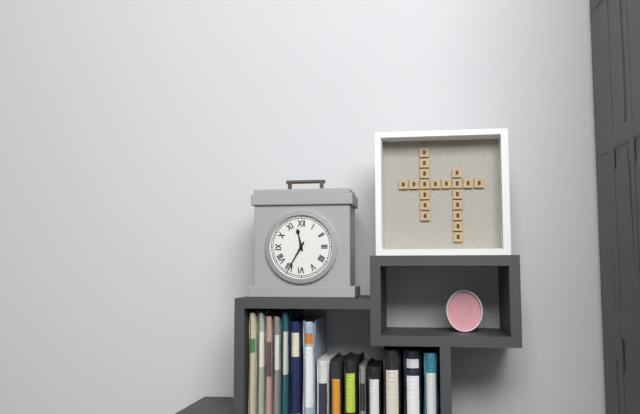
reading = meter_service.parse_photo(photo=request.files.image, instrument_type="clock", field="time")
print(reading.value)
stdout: 11:35
